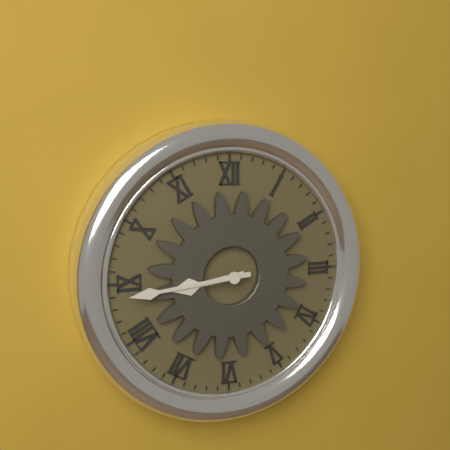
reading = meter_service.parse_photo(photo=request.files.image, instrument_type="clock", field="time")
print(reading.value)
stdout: 8:44
